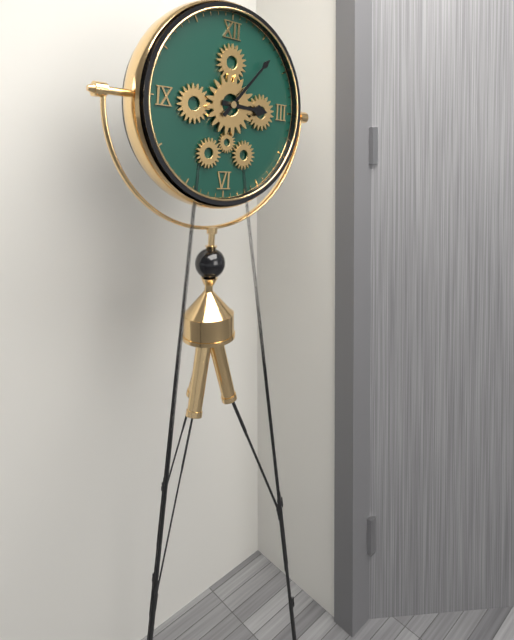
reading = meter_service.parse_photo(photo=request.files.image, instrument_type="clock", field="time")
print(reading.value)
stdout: 3:07
